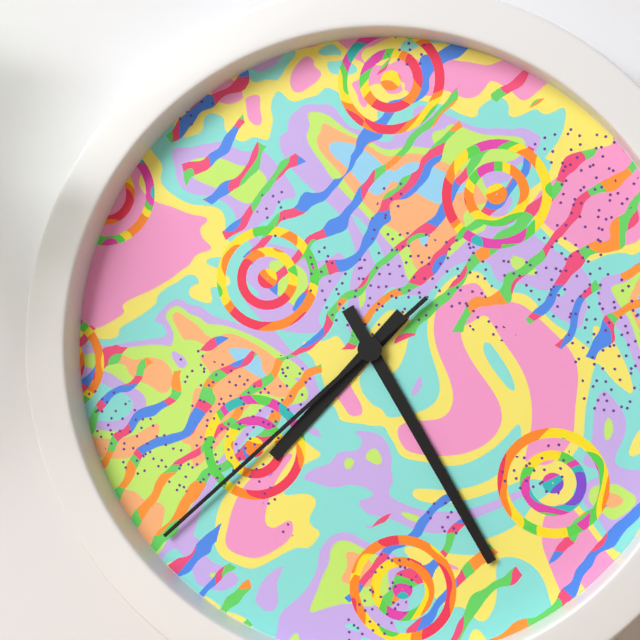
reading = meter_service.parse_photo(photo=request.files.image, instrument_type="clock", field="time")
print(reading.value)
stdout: 7:25:38
